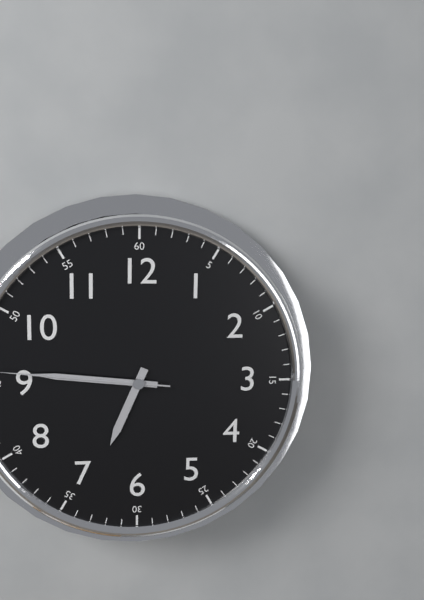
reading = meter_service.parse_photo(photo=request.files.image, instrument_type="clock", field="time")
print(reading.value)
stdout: 6:46
